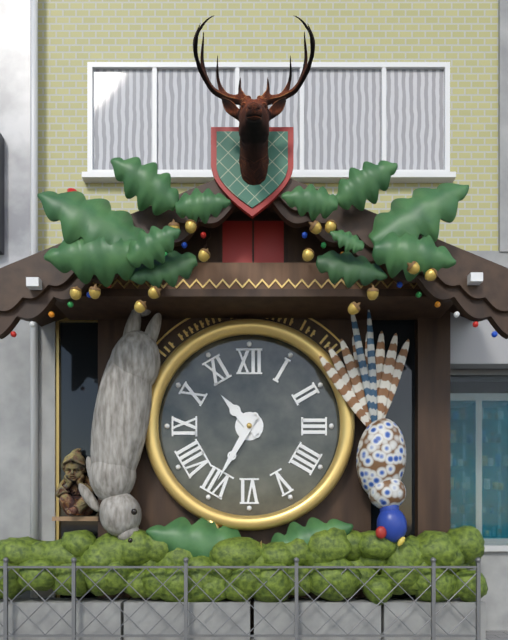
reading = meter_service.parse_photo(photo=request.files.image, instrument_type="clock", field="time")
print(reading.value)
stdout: 10:35
